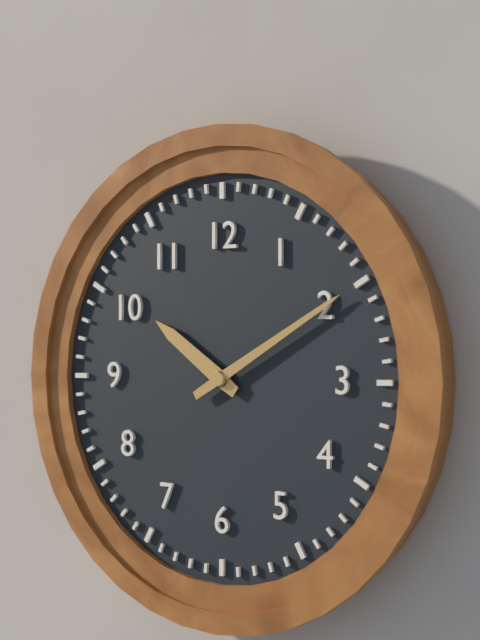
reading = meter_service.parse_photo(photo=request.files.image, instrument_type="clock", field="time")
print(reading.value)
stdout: 10:10
